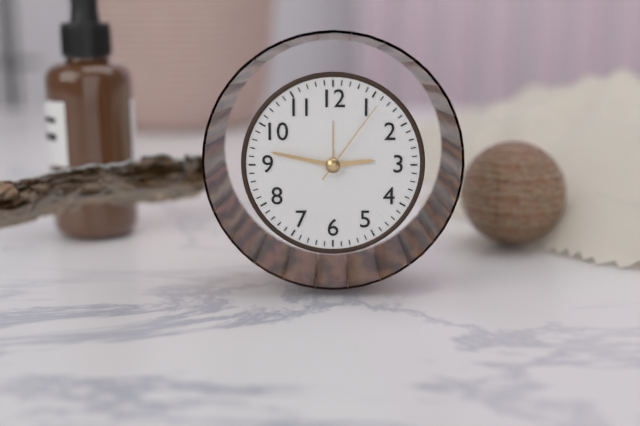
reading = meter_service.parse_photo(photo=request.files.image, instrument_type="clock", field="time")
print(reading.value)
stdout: 2:47:06
